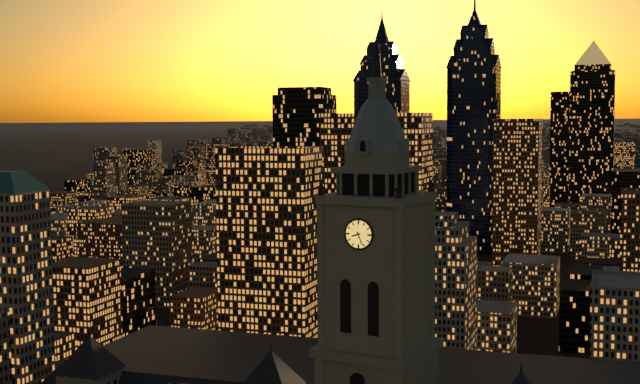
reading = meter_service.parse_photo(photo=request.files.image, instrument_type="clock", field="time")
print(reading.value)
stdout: 8:26
